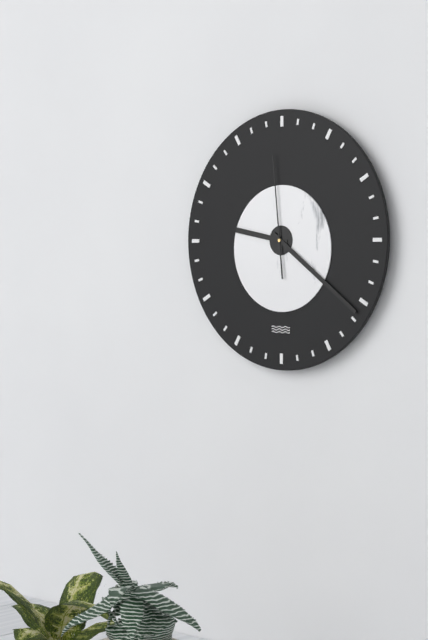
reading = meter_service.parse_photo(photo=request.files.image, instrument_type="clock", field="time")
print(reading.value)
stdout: 9:21:59
